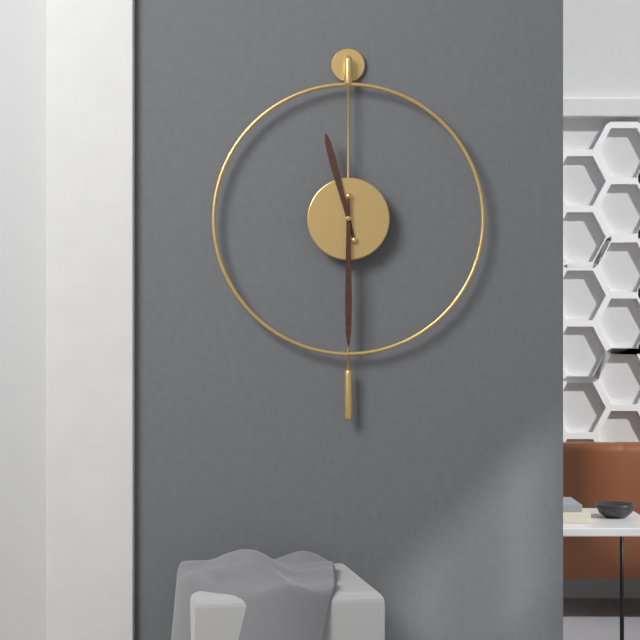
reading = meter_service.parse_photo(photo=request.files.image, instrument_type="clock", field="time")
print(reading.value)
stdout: 11:30
